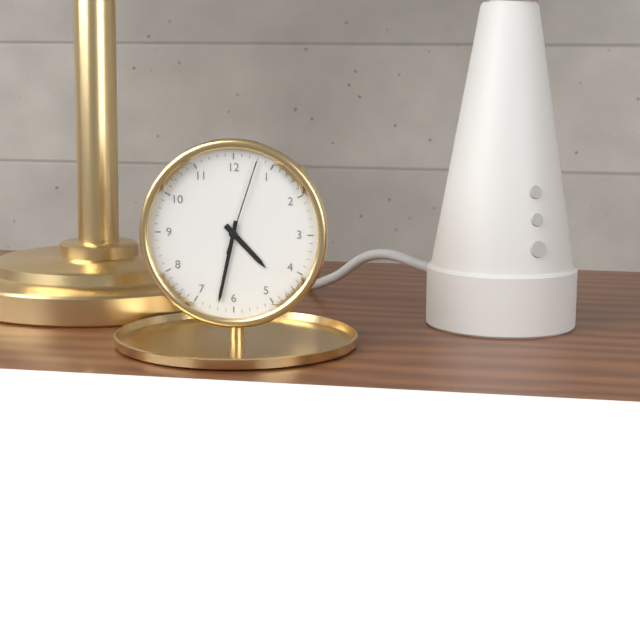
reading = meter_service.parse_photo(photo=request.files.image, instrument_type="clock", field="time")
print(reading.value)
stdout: 4:32:03
